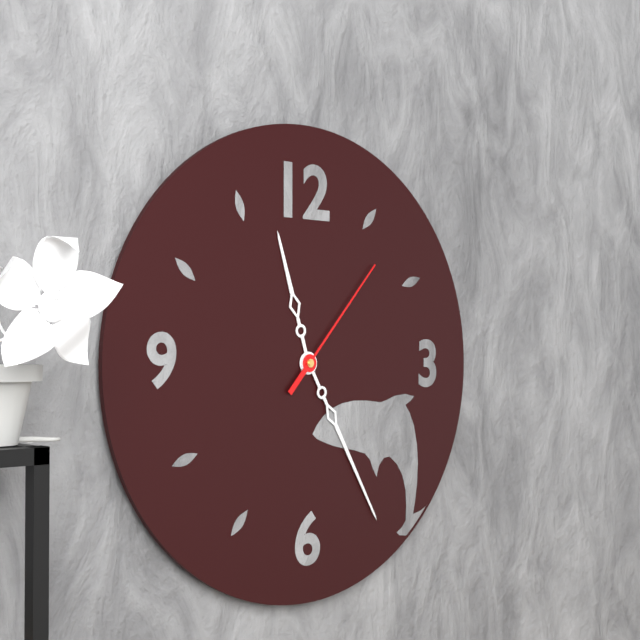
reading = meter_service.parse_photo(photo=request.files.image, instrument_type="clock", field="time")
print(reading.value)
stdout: 11:25:07
